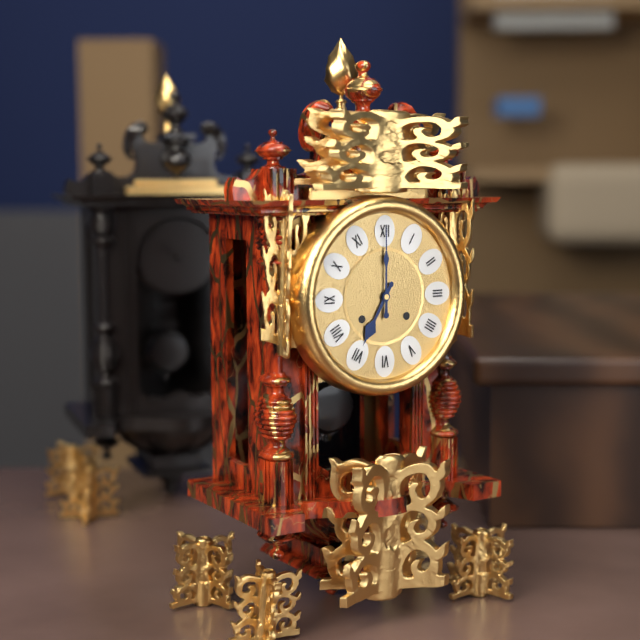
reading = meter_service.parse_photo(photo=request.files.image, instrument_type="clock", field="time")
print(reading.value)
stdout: 7:00
